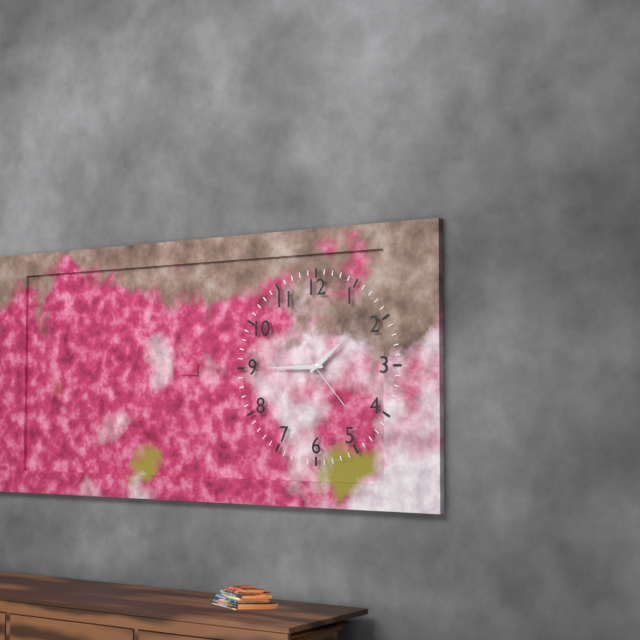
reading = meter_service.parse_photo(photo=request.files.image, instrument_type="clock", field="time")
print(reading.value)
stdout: 1:45:23
